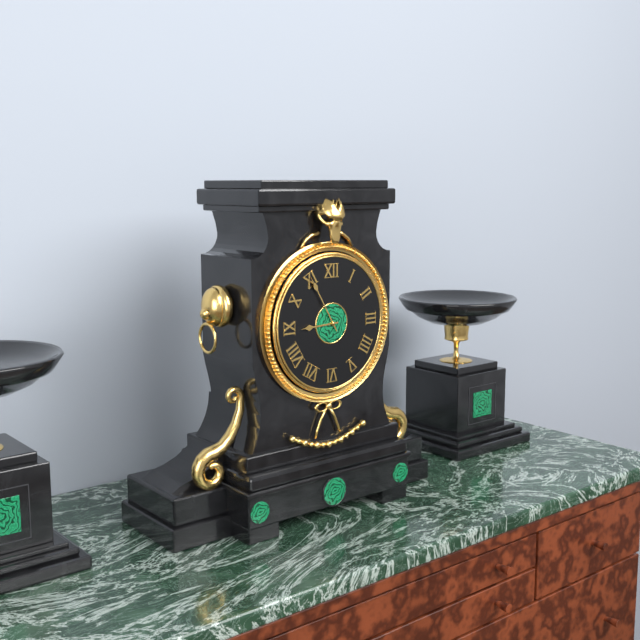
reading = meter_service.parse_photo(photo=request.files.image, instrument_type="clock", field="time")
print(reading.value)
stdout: 8:55
